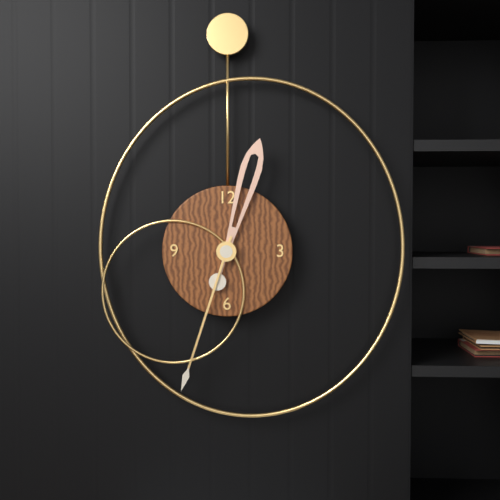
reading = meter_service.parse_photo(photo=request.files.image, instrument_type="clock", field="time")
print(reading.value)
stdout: 12:33
